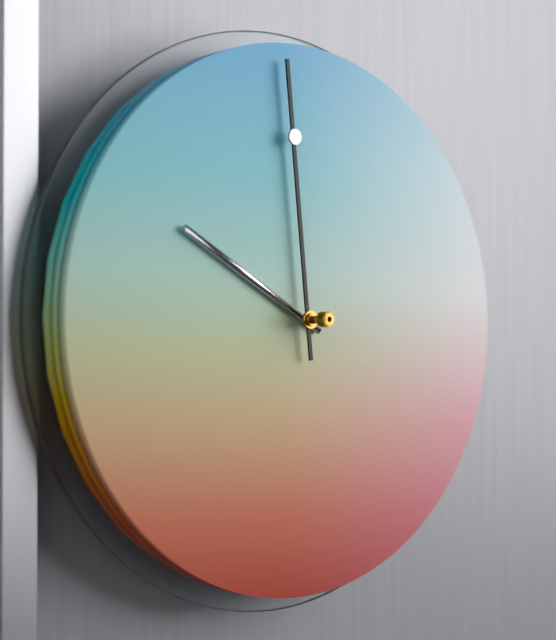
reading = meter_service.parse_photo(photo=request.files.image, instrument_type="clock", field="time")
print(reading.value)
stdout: 9:59
